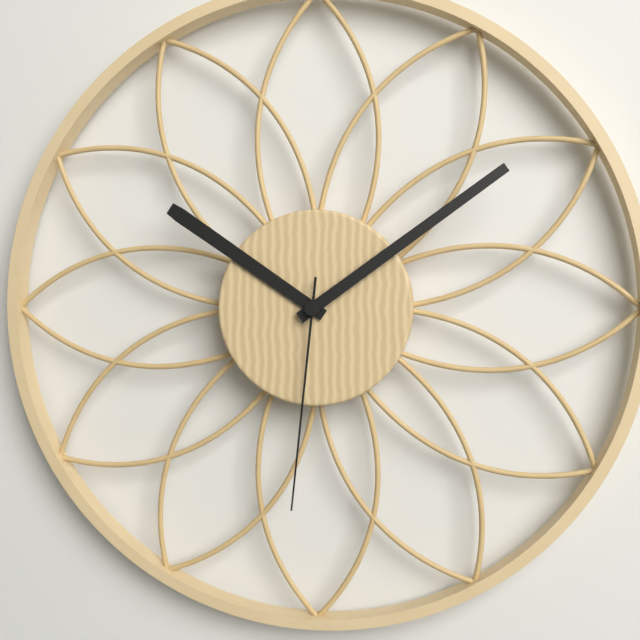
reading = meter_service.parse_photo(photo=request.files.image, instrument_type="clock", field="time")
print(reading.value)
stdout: 10:09:31
